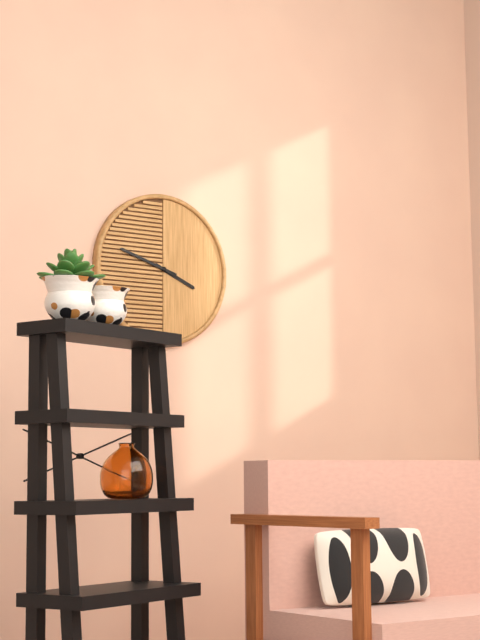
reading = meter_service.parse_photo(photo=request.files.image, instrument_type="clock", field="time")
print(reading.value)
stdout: 3:48
